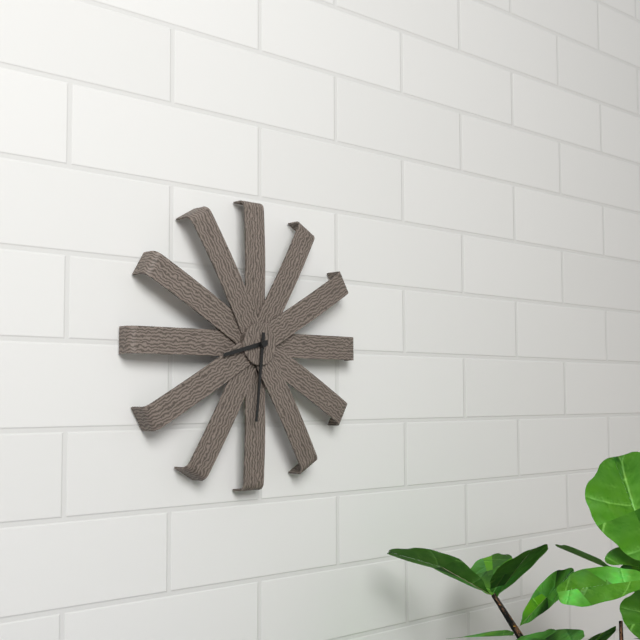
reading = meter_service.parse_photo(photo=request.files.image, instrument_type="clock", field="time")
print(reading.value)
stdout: 8:31
